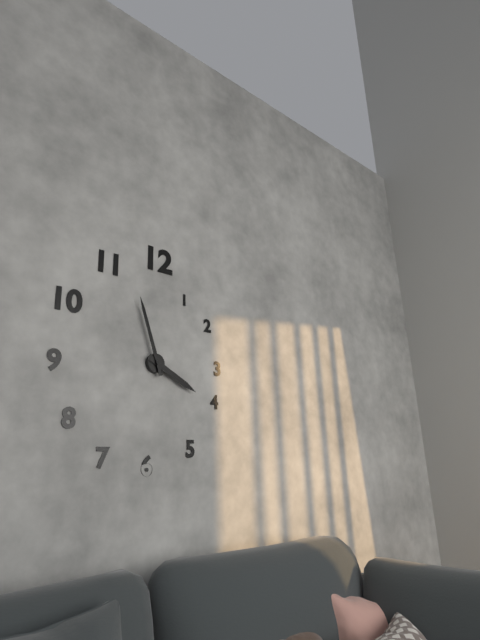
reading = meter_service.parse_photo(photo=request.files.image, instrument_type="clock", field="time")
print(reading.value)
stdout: 3:57
